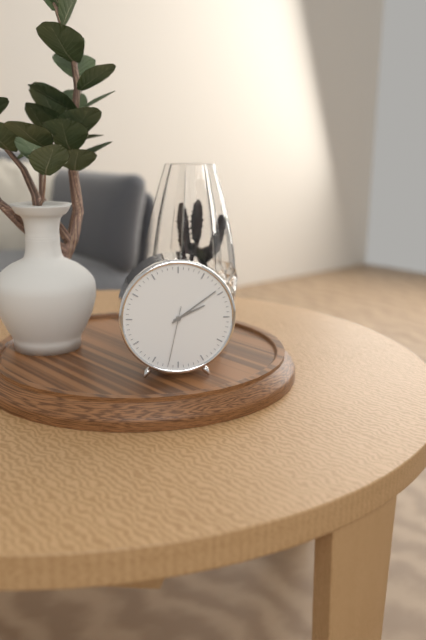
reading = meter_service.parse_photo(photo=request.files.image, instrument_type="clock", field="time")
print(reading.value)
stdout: 2:09:32
